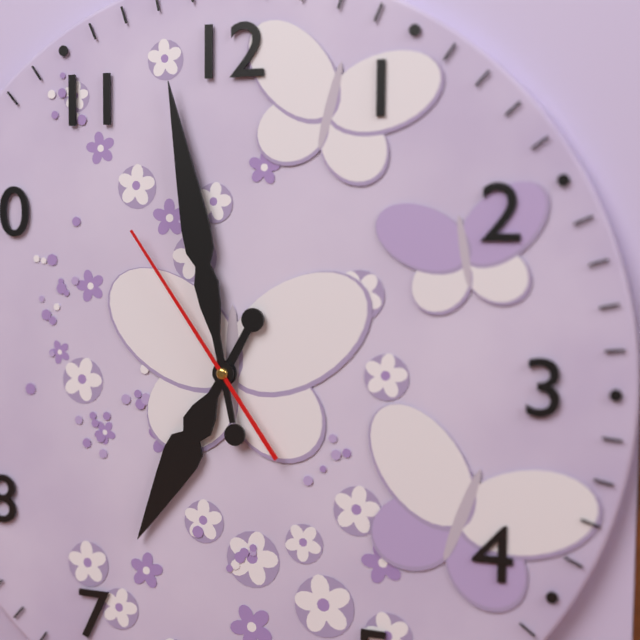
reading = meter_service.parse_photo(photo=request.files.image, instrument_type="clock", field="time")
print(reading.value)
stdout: 6:58:54
